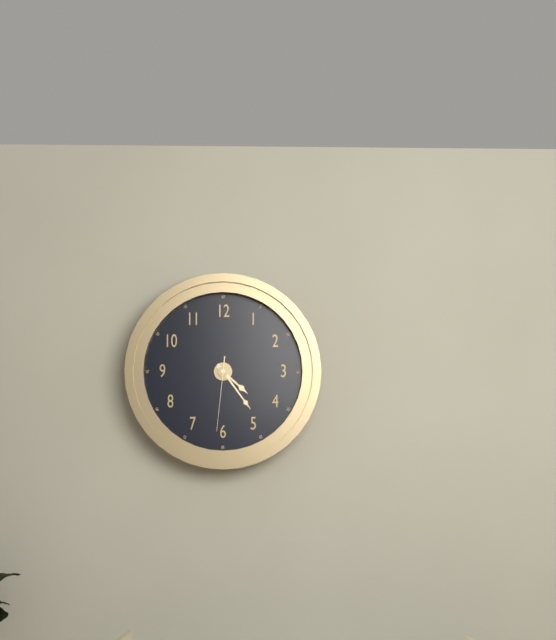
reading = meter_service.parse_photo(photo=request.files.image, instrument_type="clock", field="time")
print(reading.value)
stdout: 4:24:31
